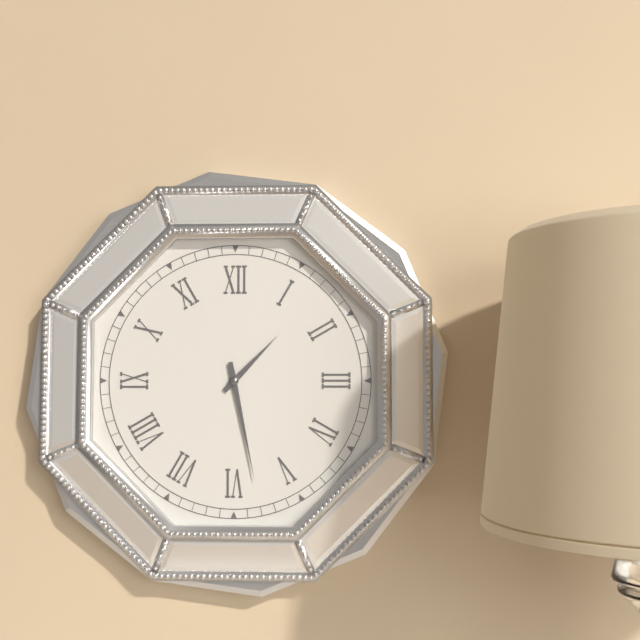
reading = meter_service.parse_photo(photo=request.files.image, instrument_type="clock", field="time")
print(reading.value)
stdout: 1:28
